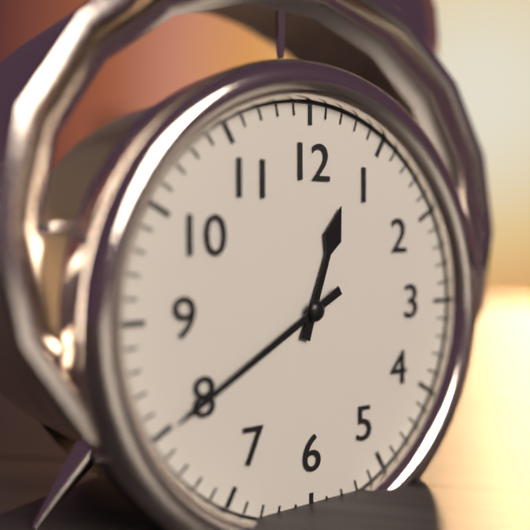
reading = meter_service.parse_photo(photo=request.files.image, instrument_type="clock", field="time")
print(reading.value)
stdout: 12:40
